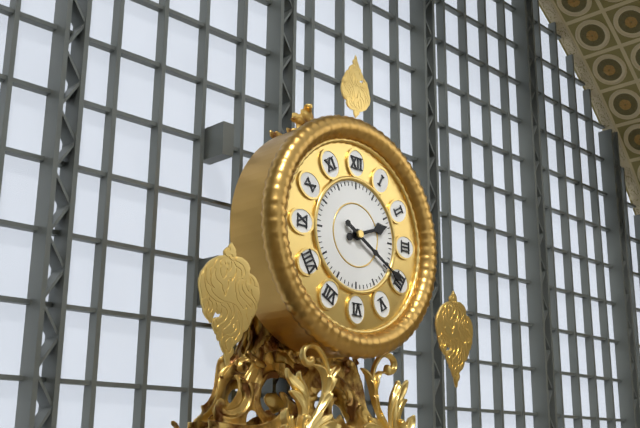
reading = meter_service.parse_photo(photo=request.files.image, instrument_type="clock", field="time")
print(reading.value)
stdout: 2:20
